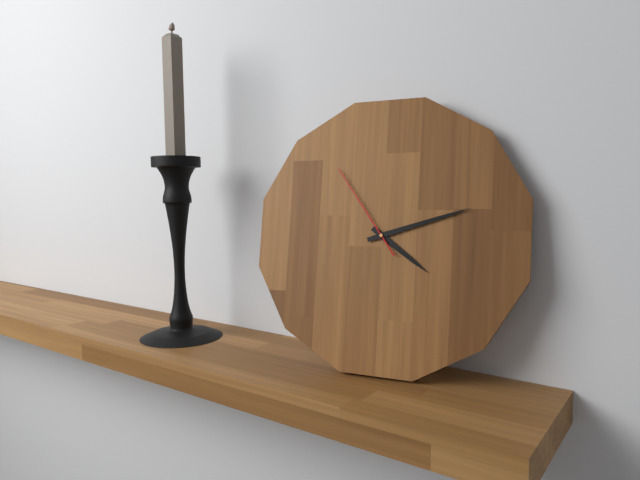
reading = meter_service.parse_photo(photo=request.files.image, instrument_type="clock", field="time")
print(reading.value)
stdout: 4:12:54
